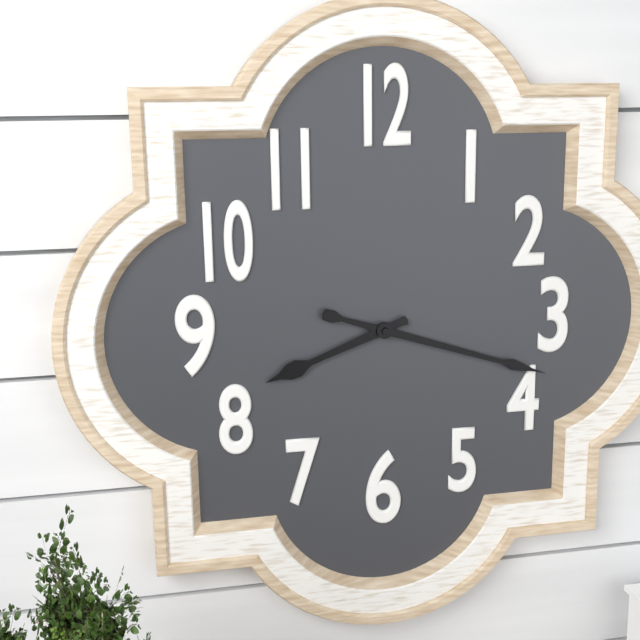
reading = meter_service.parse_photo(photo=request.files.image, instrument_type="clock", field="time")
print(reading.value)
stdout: 8:18
